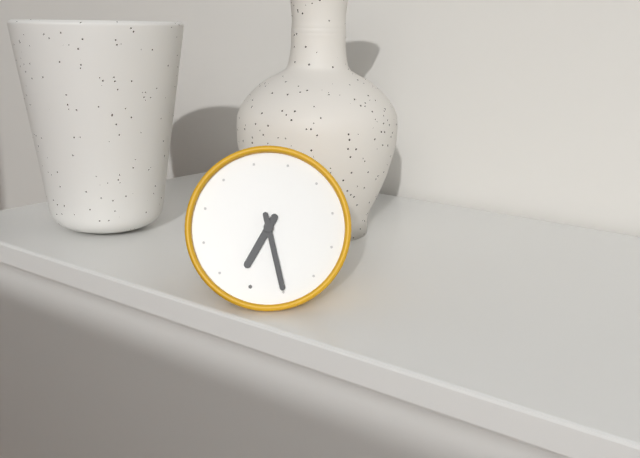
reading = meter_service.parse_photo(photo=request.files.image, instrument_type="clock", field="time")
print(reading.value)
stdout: 6:25
